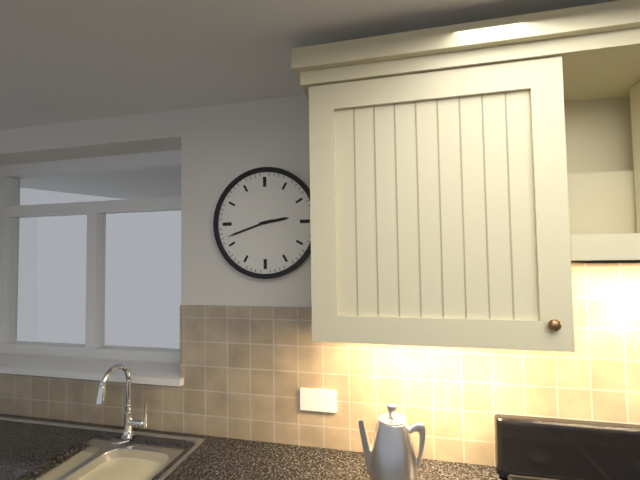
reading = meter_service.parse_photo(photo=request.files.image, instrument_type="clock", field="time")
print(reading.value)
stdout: 2:42
